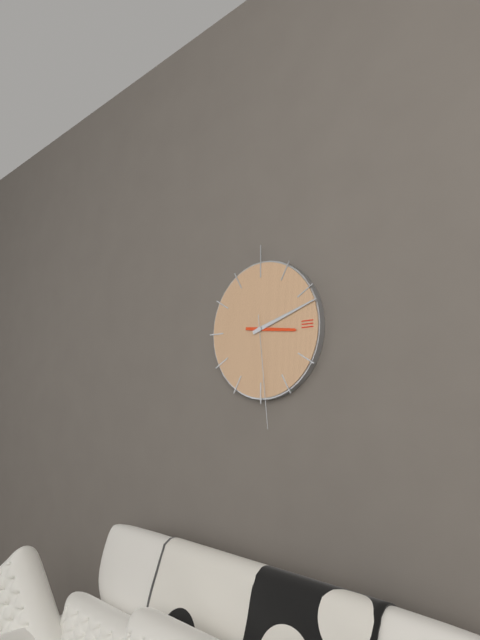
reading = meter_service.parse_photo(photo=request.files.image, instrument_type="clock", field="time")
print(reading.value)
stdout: 3:12:29
